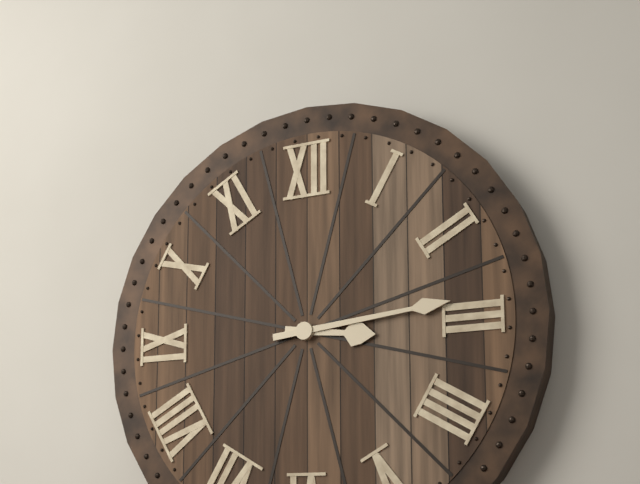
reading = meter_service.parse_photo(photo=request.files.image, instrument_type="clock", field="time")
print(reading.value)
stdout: 3:14
